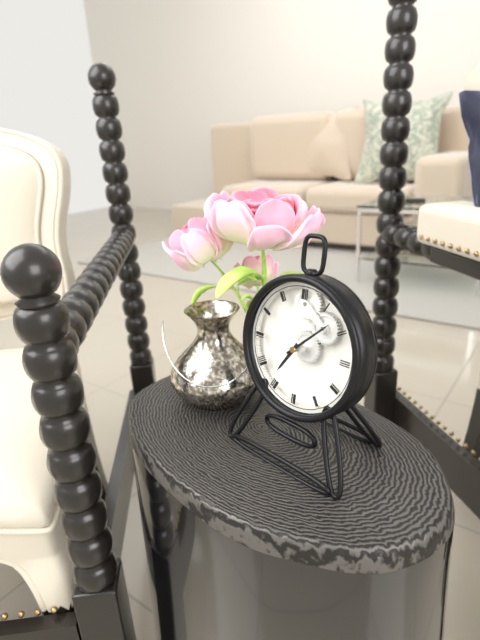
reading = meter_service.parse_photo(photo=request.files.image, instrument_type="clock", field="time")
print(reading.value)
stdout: 7:08
